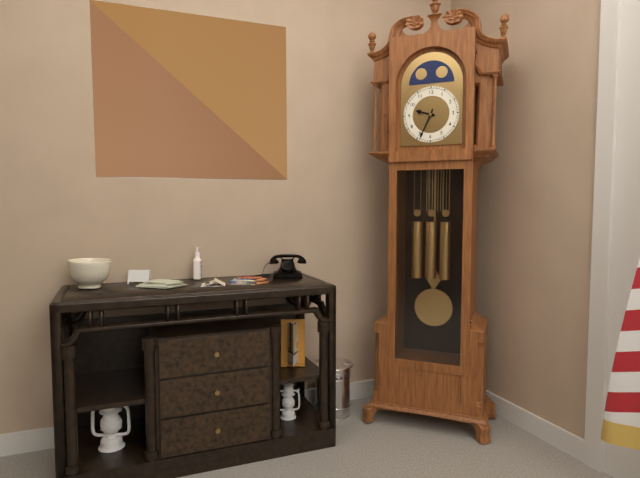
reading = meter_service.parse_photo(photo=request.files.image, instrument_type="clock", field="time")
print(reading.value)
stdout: 9:34
